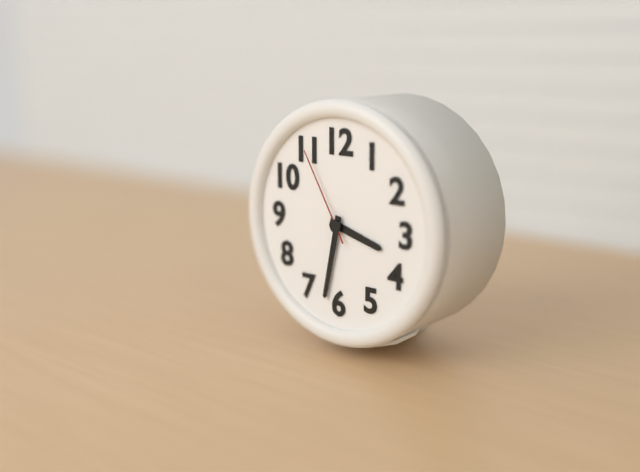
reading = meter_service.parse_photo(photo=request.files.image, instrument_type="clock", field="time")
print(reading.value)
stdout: 3:32:55
